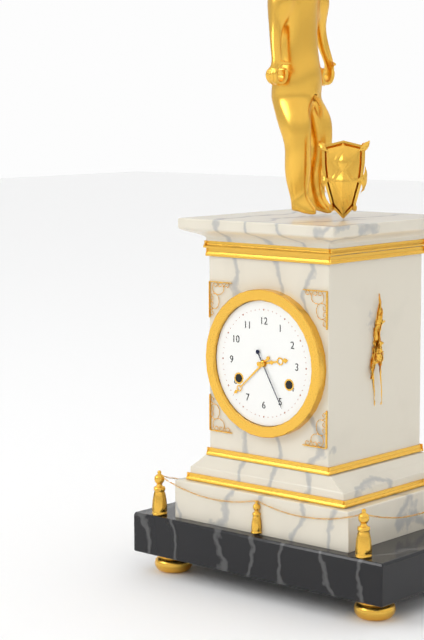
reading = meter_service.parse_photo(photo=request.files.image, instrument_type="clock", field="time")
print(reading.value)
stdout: 2:38:25
